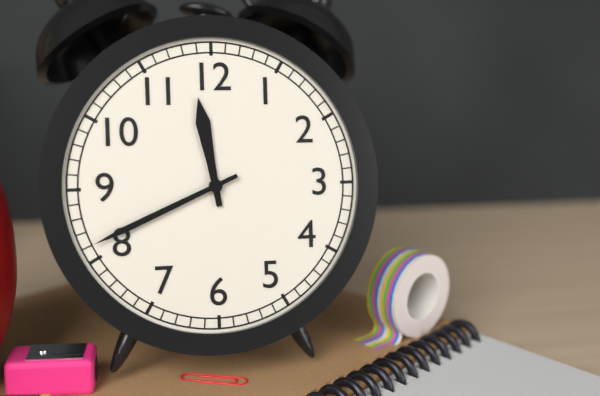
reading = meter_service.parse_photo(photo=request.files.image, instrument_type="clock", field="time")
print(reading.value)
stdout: 11:41
